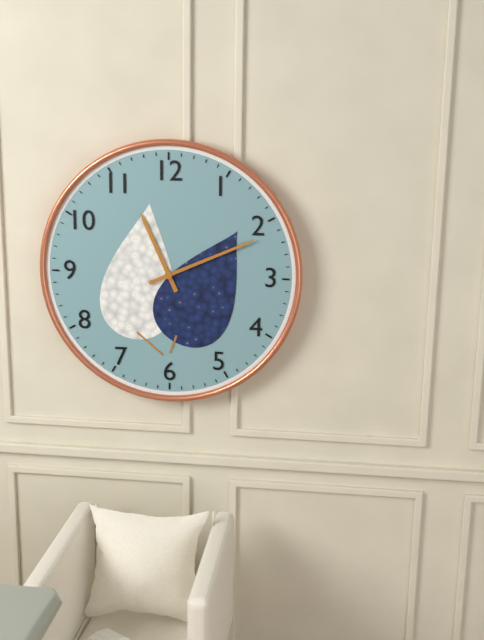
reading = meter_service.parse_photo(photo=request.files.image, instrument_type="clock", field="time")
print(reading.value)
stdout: 11:11
